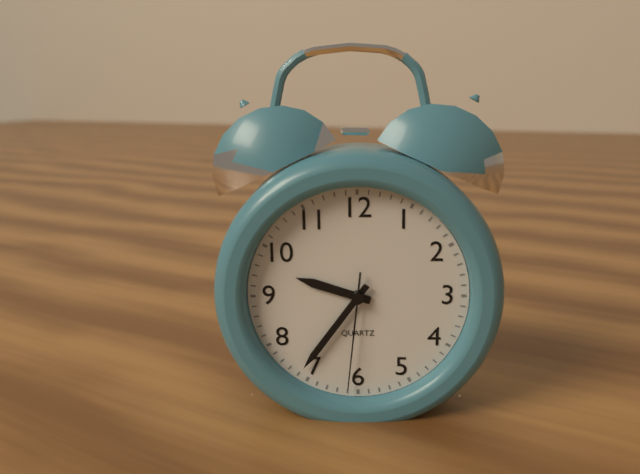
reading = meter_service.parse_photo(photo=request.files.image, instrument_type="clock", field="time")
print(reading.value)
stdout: 9:36:31
